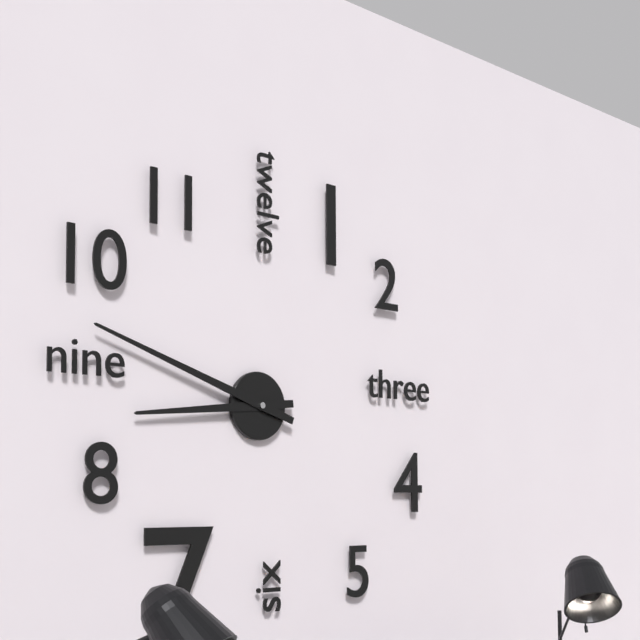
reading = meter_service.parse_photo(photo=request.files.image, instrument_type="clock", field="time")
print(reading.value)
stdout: 8:48
